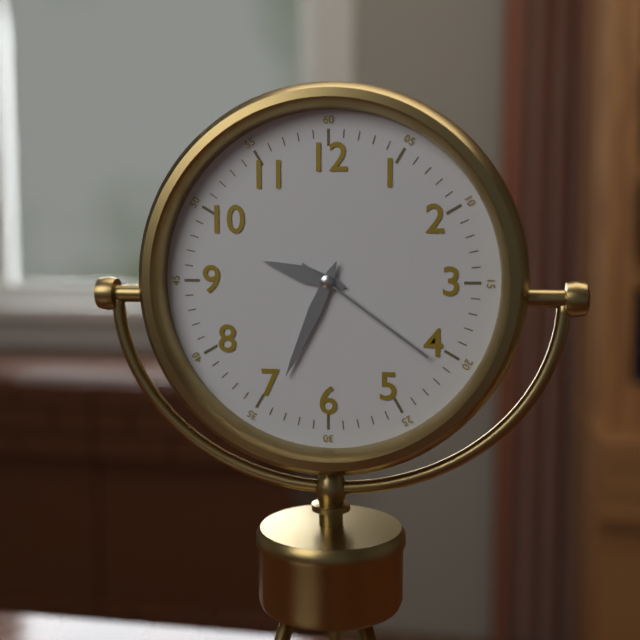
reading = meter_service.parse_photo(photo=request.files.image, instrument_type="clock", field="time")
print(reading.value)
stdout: 9:34:21
